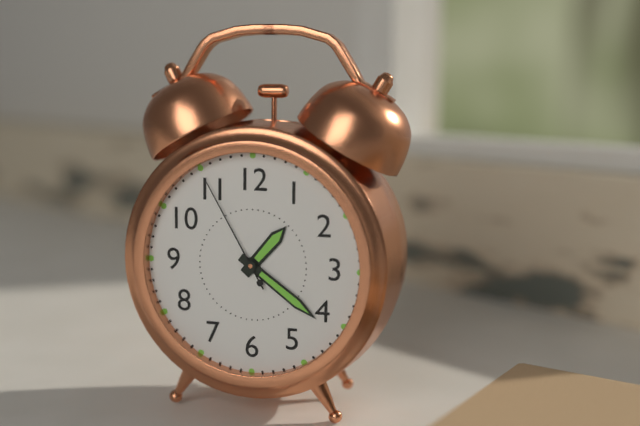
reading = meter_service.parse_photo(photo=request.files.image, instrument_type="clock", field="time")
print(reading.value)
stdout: 1:21:55
